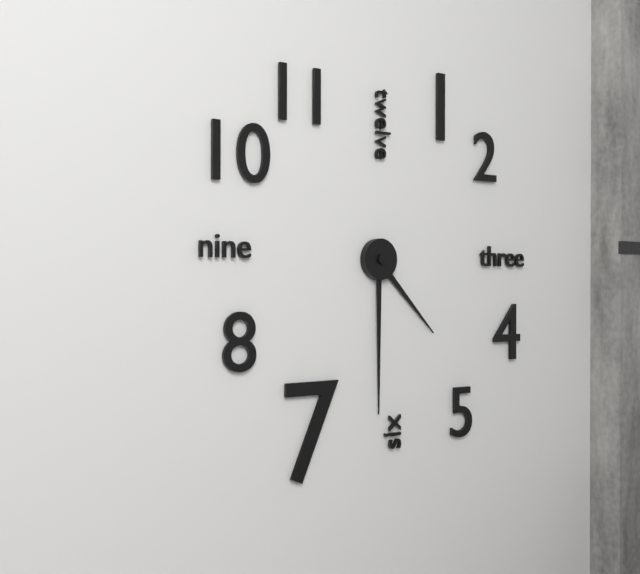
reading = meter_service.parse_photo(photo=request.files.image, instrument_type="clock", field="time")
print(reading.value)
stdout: 4:30
